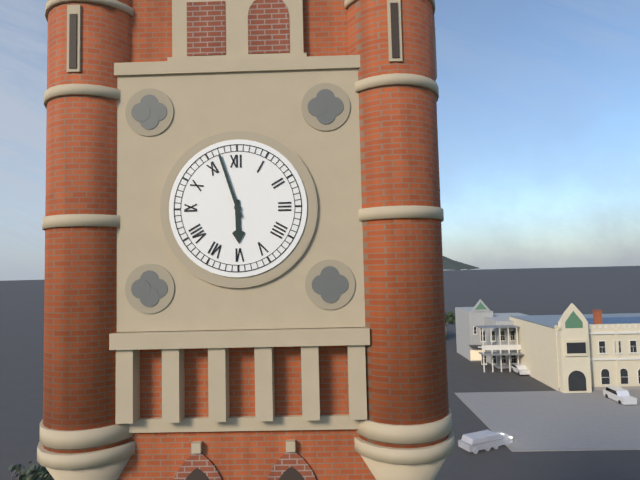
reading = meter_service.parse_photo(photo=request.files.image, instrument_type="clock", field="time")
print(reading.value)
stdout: 5:57
